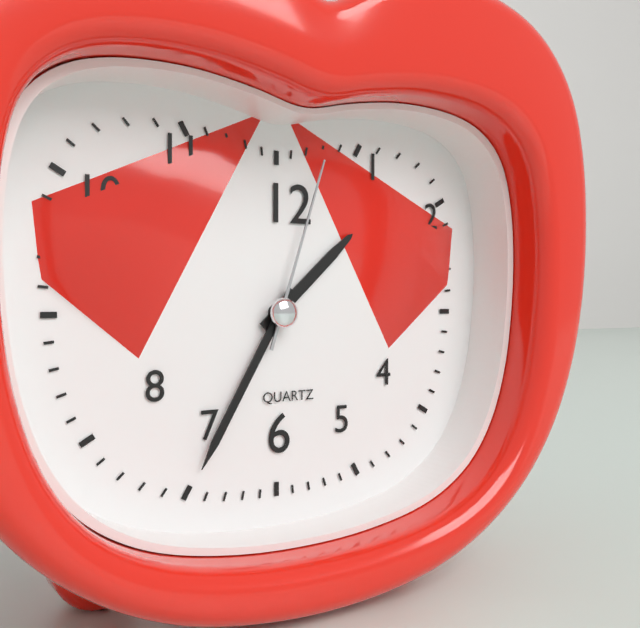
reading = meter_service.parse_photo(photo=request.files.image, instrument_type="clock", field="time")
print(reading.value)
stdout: 1:35:03
